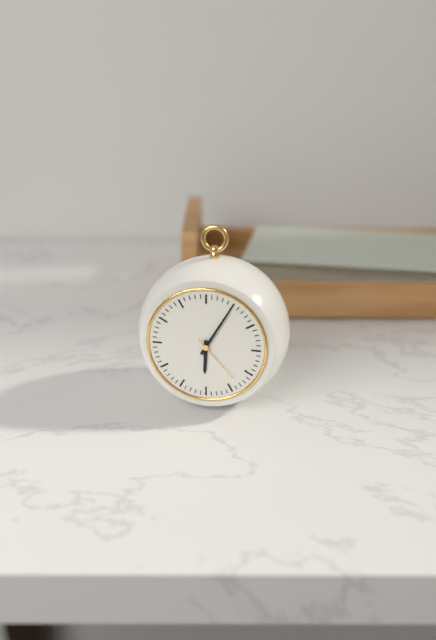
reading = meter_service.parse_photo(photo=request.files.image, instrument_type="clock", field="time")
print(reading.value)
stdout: 6:05:23
